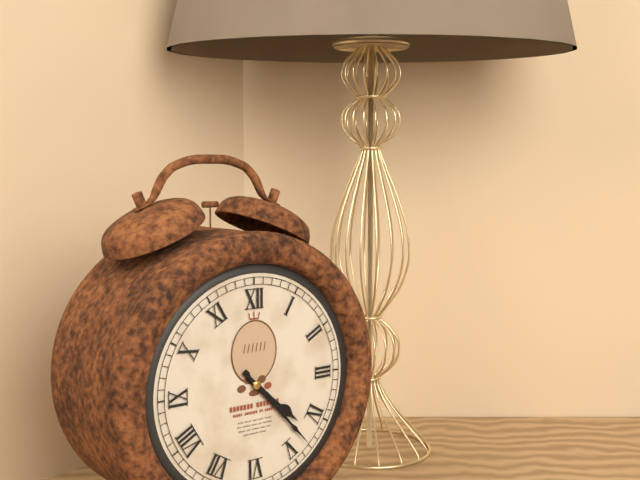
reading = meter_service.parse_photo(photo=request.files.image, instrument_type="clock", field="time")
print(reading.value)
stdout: 4:23
